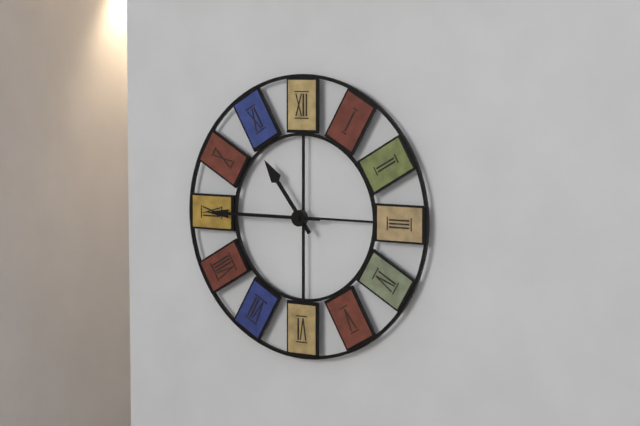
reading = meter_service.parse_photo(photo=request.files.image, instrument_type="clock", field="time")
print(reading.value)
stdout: 10:45
